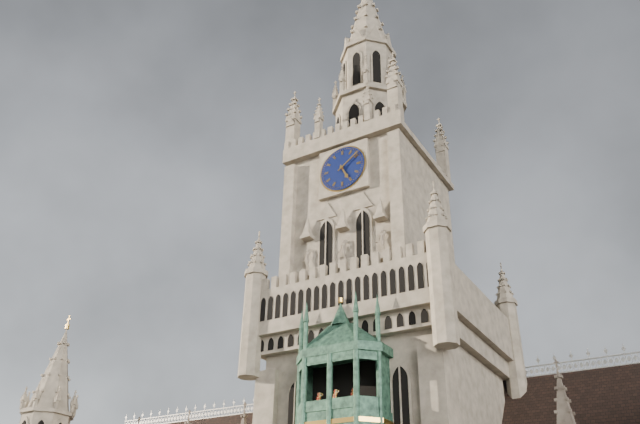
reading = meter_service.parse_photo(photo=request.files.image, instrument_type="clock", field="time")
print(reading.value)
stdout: 5:09
